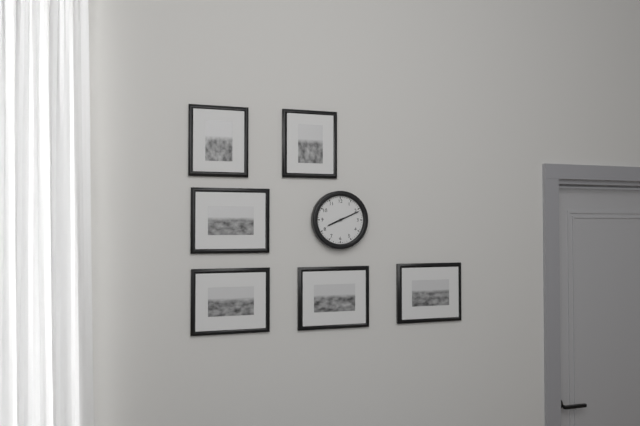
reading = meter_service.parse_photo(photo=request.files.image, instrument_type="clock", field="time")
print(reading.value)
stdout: 8:11
